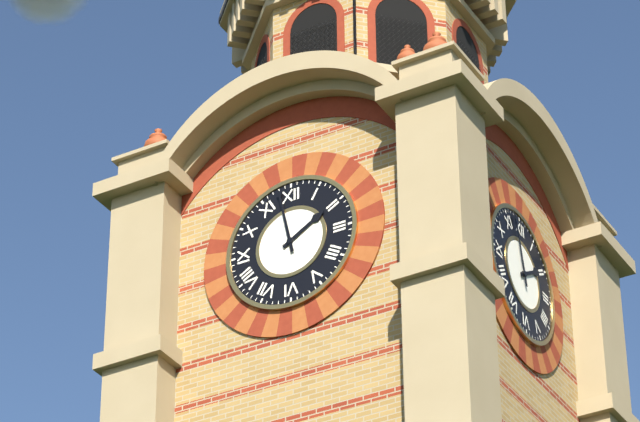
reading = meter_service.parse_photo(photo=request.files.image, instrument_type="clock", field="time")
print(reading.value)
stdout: 1:58
